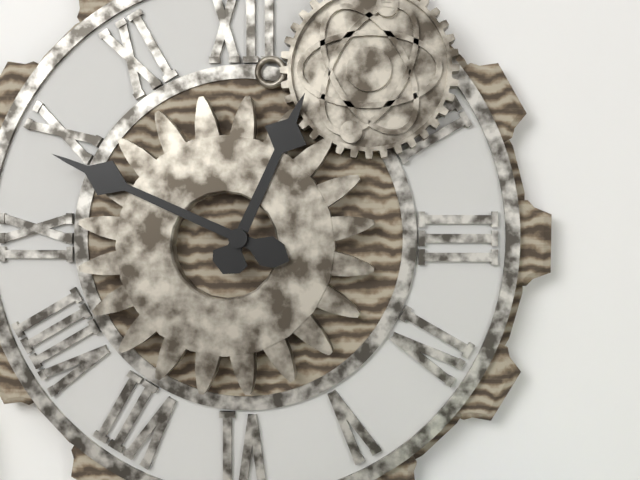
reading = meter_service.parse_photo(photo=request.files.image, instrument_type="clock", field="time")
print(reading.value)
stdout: 12:49
